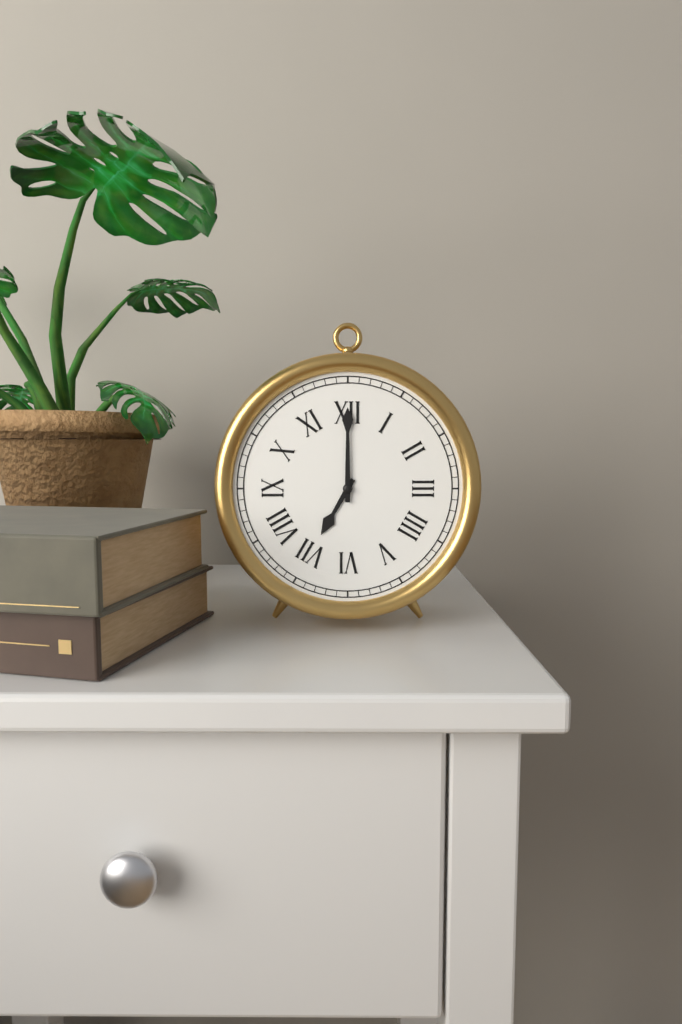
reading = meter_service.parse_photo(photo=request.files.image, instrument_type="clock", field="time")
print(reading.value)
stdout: 7:00
